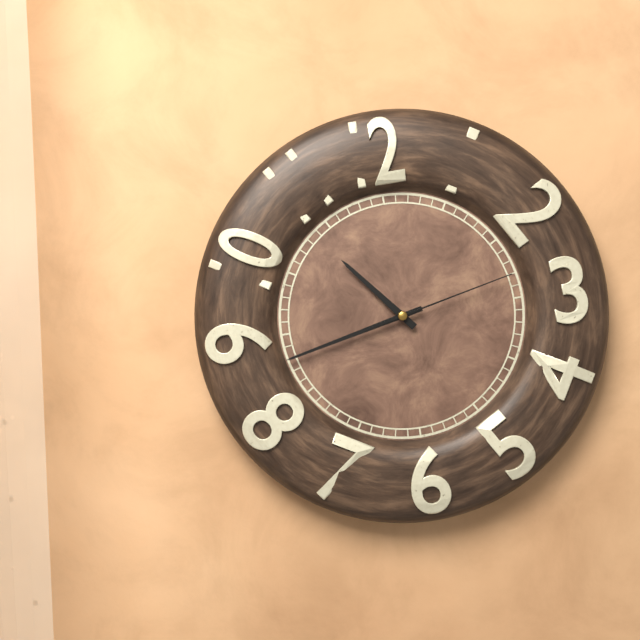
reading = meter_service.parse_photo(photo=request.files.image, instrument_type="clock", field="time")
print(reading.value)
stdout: 10:43:13
